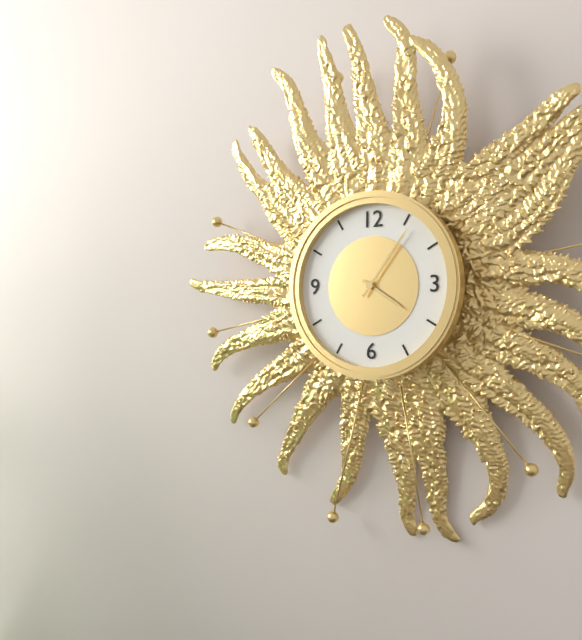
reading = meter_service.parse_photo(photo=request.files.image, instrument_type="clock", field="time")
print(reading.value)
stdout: 4:06
